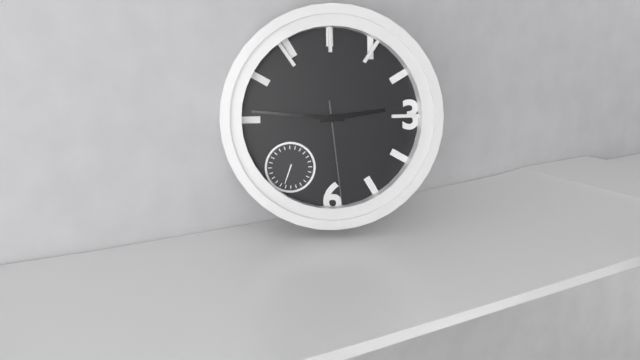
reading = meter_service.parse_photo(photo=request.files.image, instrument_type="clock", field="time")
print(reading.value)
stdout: 2:46:29
